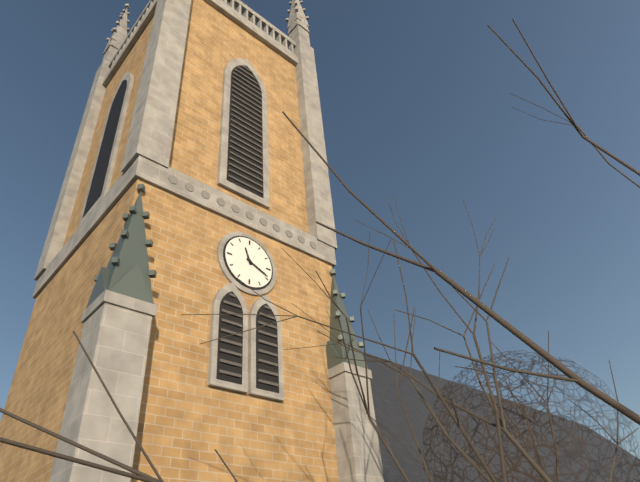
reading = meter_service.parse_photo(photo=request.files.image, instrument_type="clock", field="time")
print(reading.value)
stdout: 11:19
